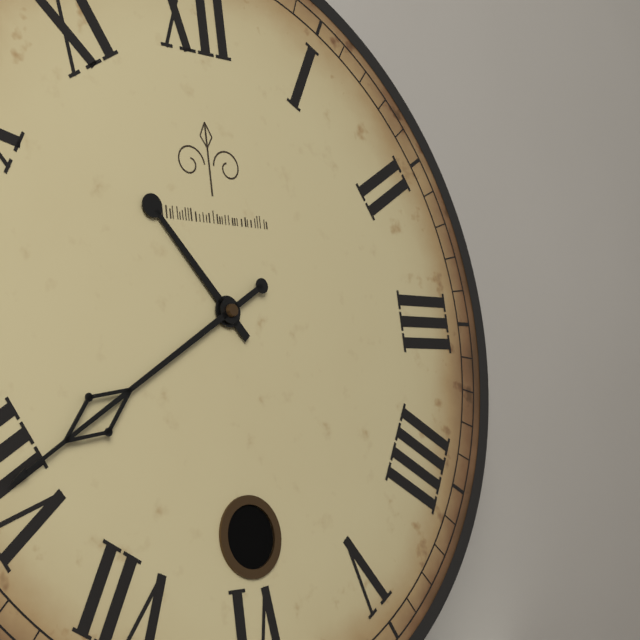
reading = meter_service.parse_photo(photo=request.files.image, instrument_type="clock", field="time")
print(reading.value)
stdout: 10:40
